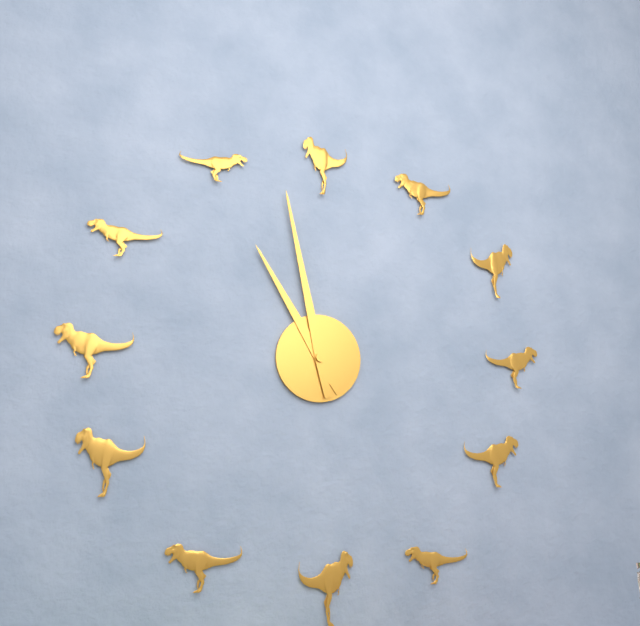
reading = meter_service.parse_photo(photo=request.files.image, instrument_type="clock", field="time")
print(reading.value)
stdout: 10:58
